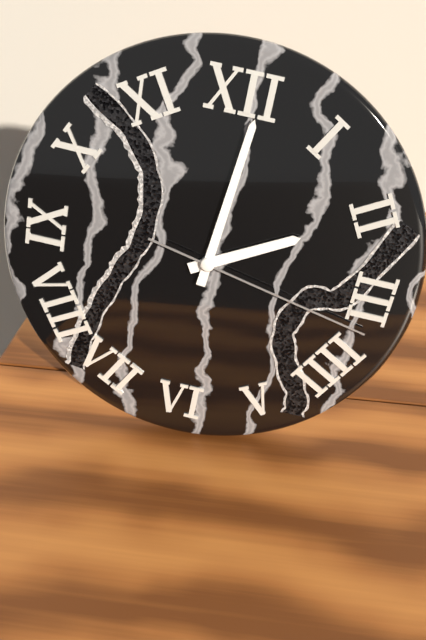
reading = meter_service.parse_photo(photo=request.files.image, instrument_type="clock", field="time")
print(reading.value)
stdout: 2:01:17
